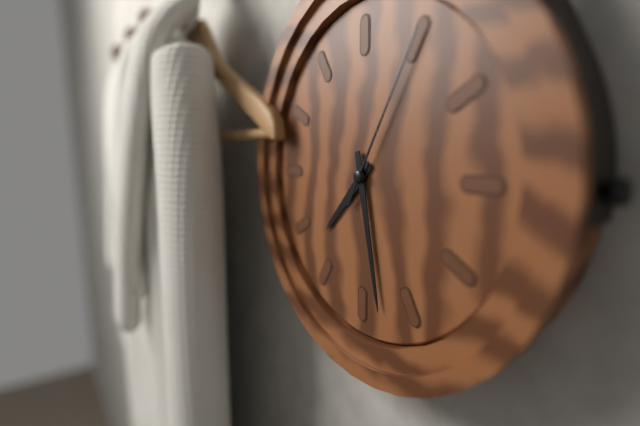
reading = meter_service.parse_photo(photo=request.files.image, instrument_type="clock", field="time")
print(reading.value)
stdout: 7:28:05
